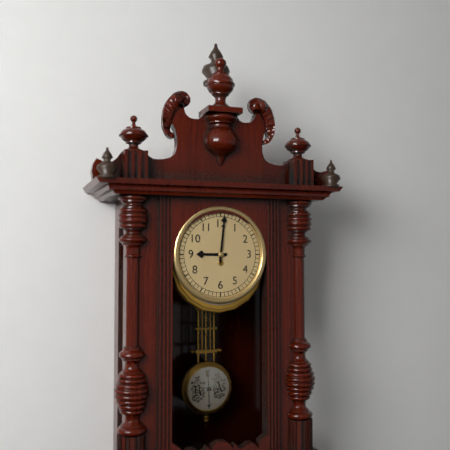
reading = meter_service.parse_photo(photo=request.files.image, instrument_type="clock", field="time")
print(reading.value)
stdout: 9:01
